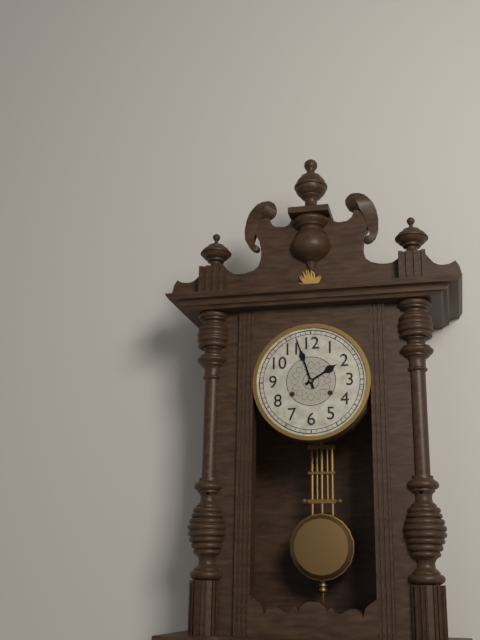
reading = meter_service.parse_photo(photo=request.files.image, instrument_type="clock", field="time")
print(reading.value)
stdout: 1:57
